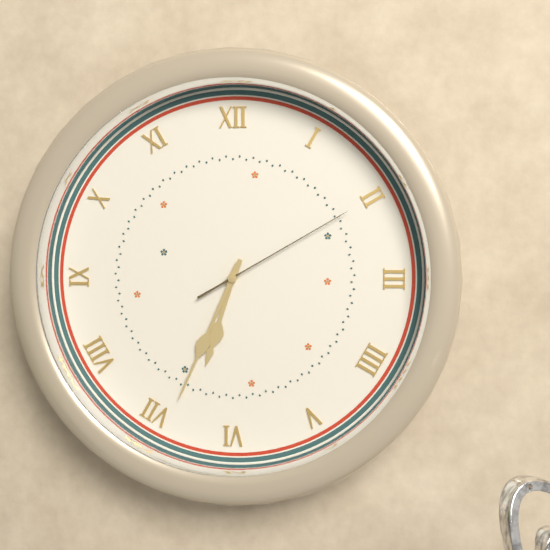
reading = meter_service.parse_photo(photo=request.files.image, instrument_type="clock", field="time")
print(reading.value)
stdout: 6:34:10
